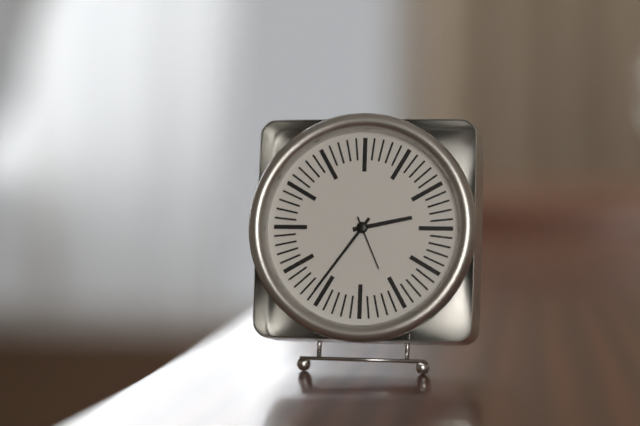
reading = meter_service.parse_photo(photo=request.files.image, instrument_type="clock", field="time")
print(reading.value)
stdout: 2:36:26
